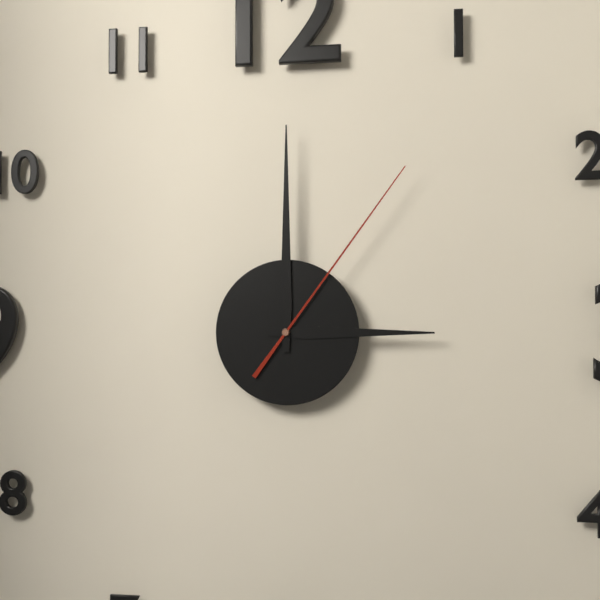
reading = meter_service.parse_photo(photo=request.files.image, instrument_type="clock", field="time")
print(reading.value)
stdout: 3:00:06
